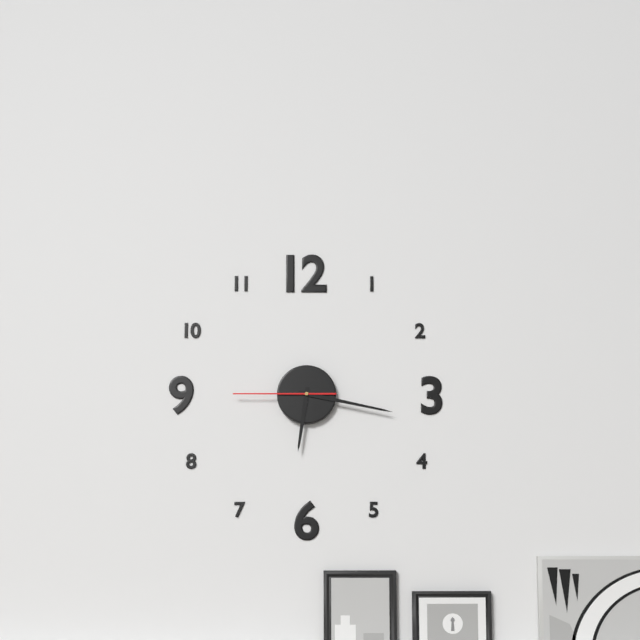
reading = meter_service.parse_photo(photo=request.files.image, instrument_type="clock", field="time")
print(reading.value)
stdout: 6:17:45
